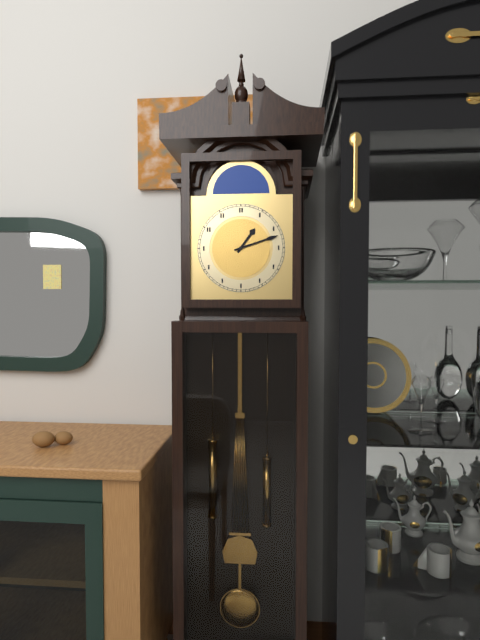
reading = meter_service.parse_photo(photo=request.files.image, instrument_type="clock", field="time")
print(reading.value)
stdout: 1:12
